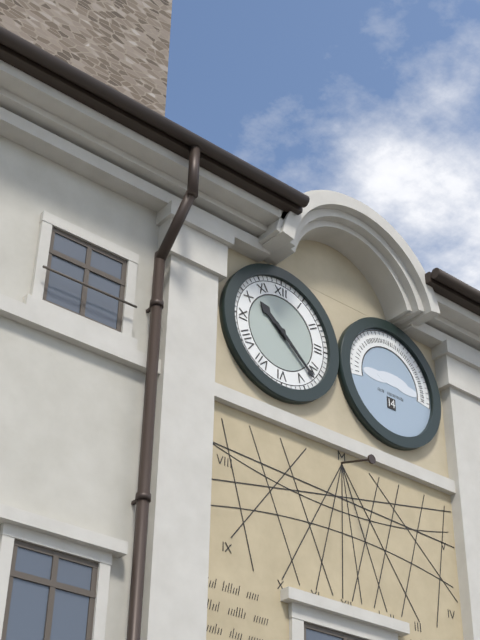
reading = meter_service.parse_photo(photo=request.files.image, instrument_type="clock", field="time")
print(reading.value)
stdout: 10:22
